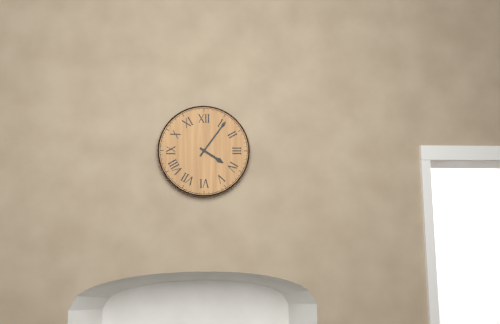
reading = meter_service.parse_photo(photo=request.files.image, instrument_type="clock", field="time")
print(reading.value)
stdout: 4:06
